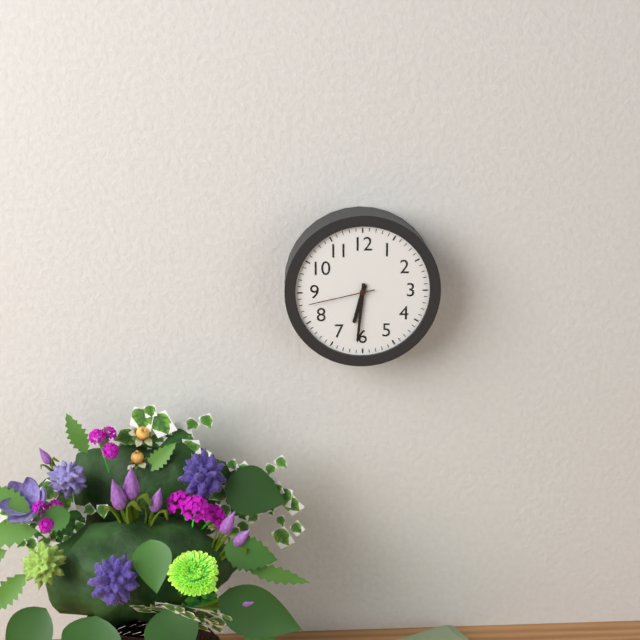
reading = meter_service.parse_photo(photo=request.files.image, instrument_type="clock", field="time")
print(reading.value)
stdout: 6:31:43
